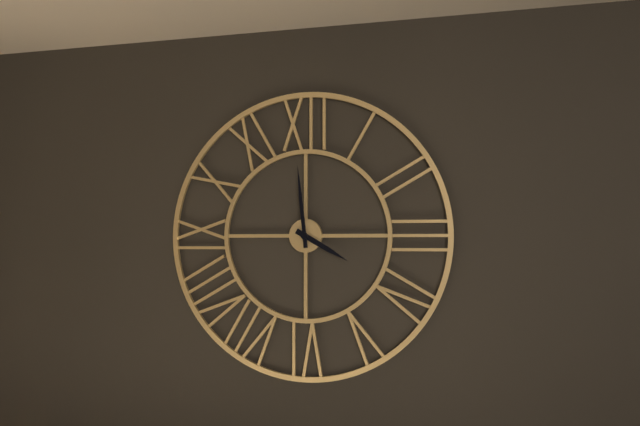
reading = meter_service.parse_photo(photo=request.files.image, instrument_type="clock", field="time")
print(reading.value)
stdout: 3:59
